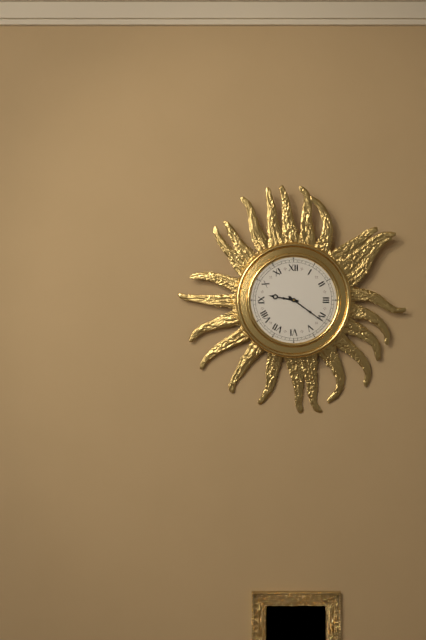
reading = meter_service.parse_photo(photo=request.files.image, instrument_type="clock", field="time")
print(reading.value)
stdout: 9:21
